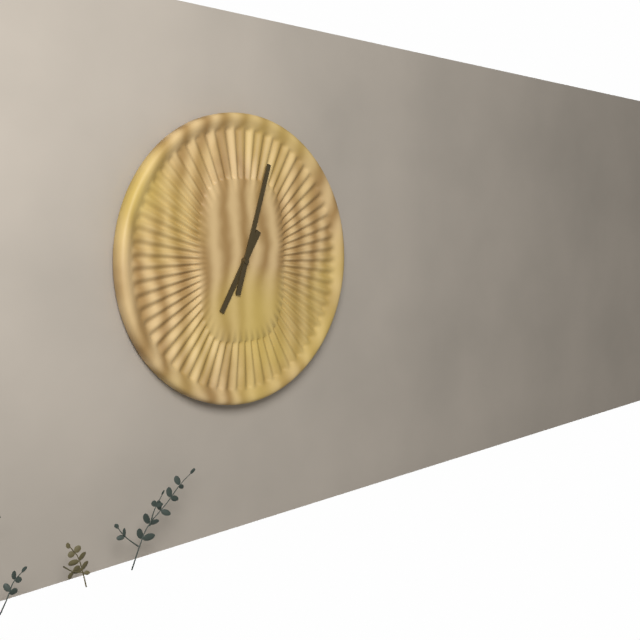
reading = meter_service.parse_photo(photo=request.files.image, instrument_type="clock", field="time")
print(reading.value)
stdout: 7:03
